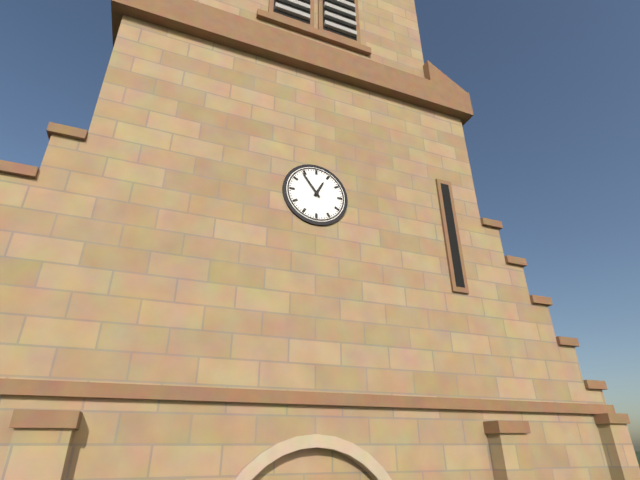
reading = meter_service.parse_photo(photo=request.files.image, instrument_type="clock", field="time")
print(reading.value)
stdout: 12:54
